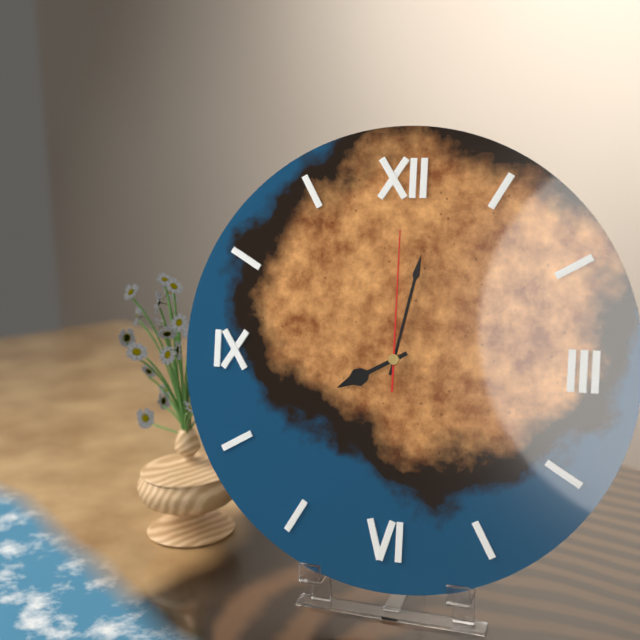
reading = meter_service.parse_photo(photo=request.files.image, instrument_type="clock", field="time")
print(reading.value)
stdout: 8:02:00
